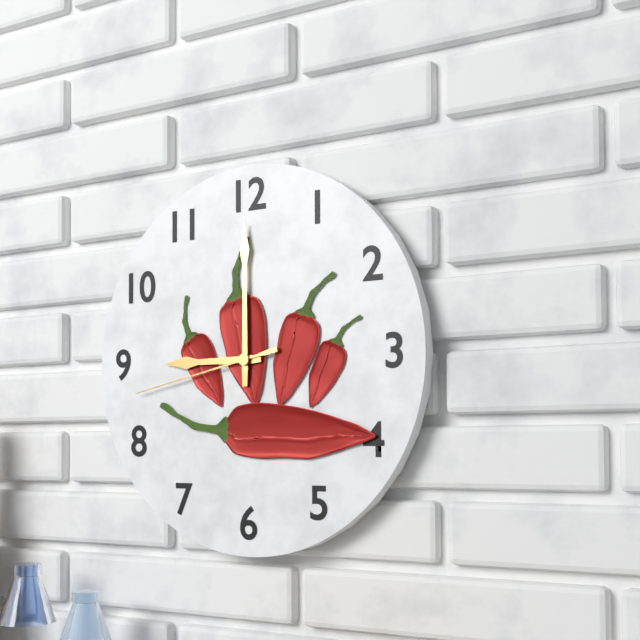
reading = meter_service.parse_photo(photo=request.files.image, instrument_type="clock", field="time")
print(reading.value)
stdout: 9:00:43
